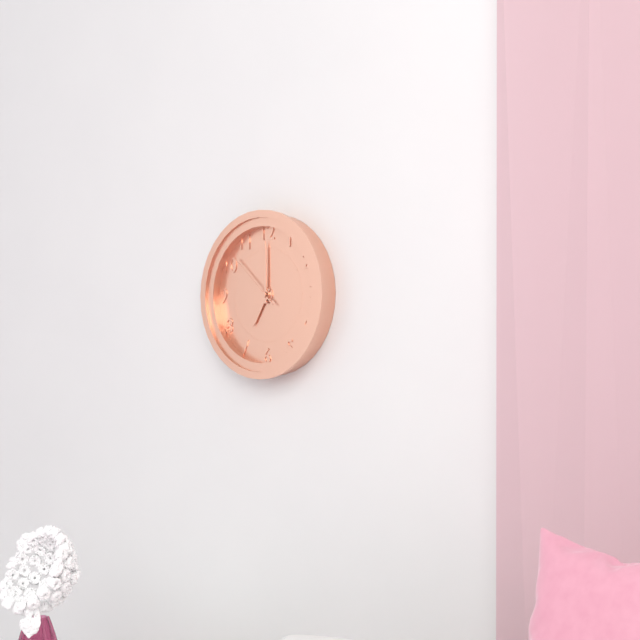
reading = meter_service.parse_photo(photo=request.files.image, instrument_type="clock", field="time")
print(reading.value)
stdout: 7:00:52
